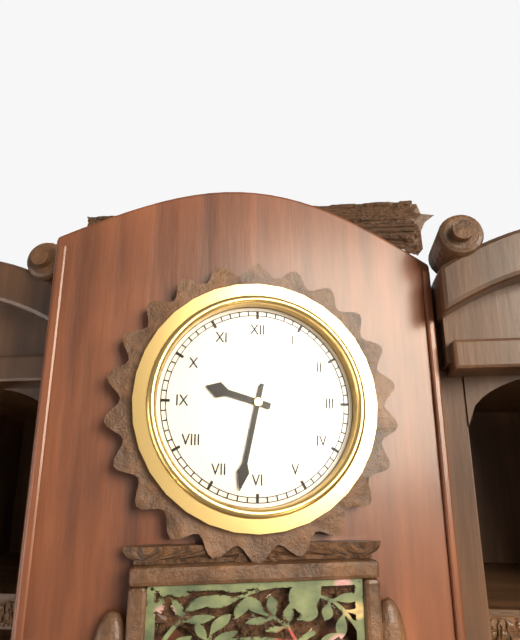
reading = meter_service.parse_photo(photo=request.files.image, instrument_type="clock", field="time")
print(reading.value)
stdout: 9:32
